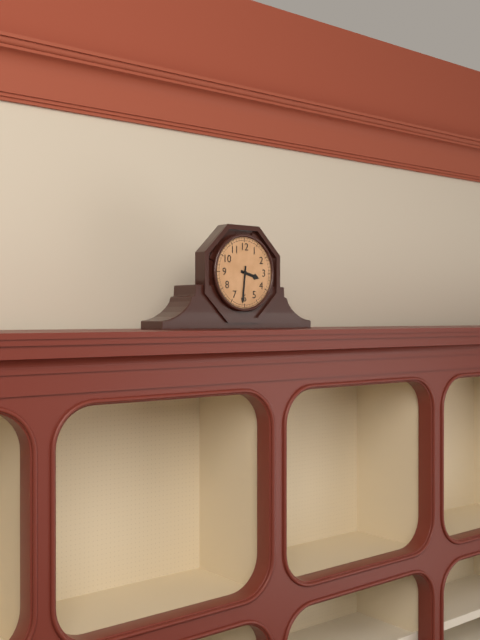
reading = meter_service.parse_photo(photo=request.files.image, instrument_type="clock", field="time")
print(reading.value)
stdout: 3:31
